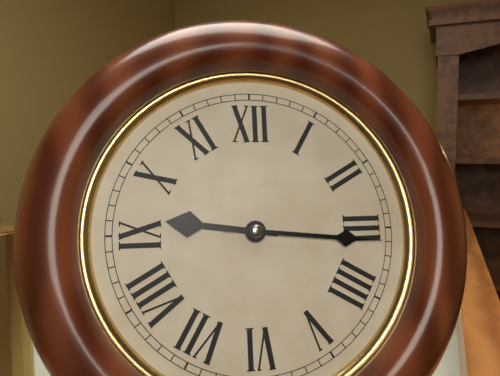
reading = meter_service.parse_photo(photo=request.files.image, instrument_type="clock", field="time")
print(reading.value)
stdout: 9:16
